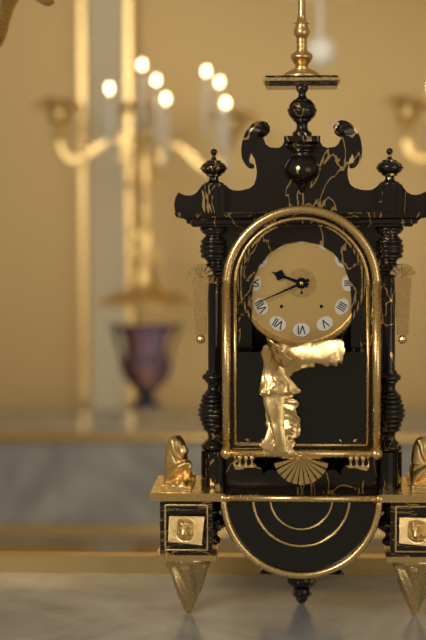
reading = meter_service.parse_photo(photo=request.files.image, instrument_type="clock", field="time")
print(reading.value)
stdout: 9:41
